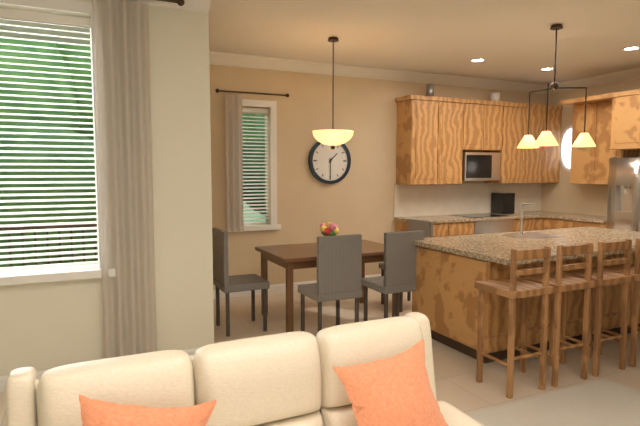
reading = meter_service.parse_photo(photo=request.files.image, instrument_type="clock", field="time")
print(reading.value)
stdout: 1:30
